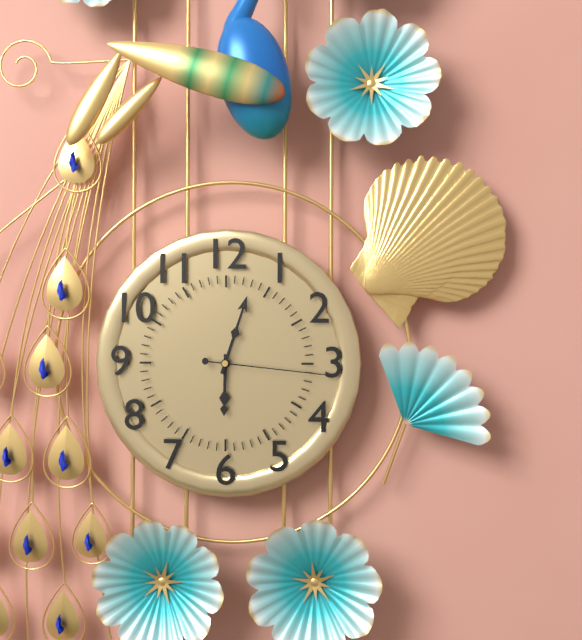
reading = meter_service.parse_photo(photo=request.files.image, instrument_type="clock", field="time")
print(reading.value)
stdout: 6:03:16
